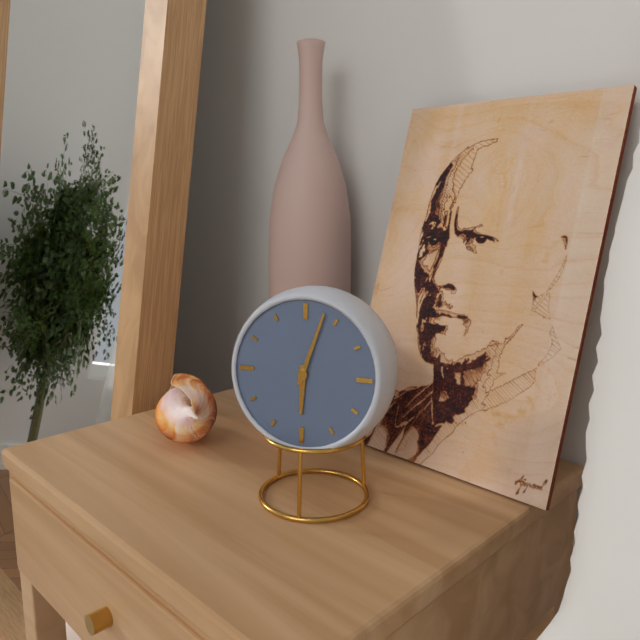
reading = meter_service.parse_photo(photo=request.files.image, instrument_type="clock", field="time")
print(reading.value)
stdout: 6:03
